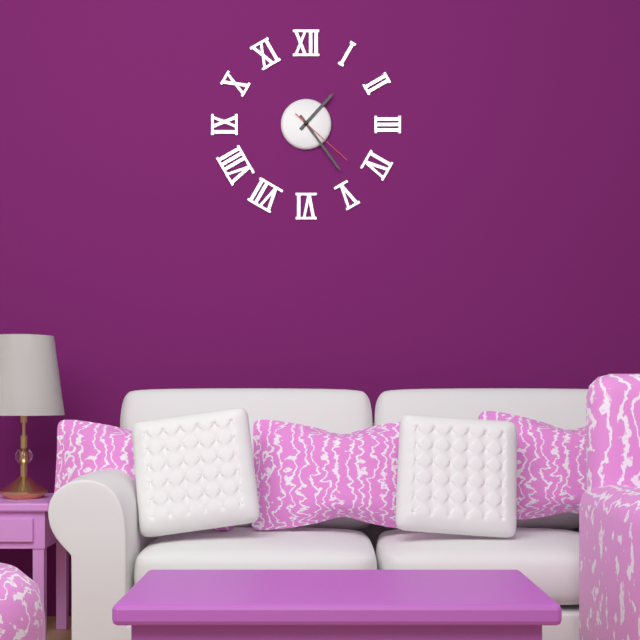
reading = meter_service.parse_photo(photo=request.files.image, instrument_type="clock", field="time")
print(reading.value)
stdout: 1:24:22
